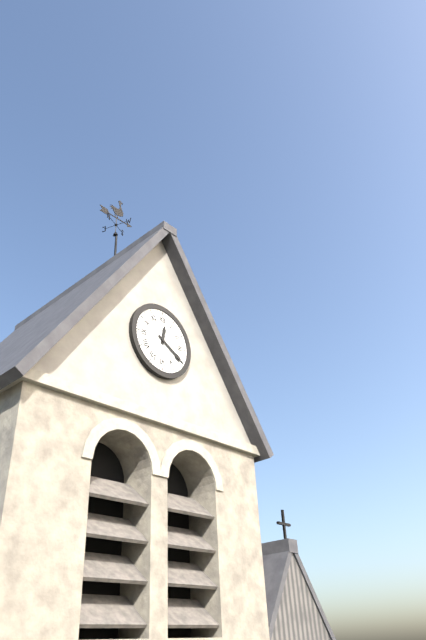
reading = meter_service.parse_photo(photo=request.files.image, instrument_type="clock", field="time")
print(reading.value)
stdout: 12:20
